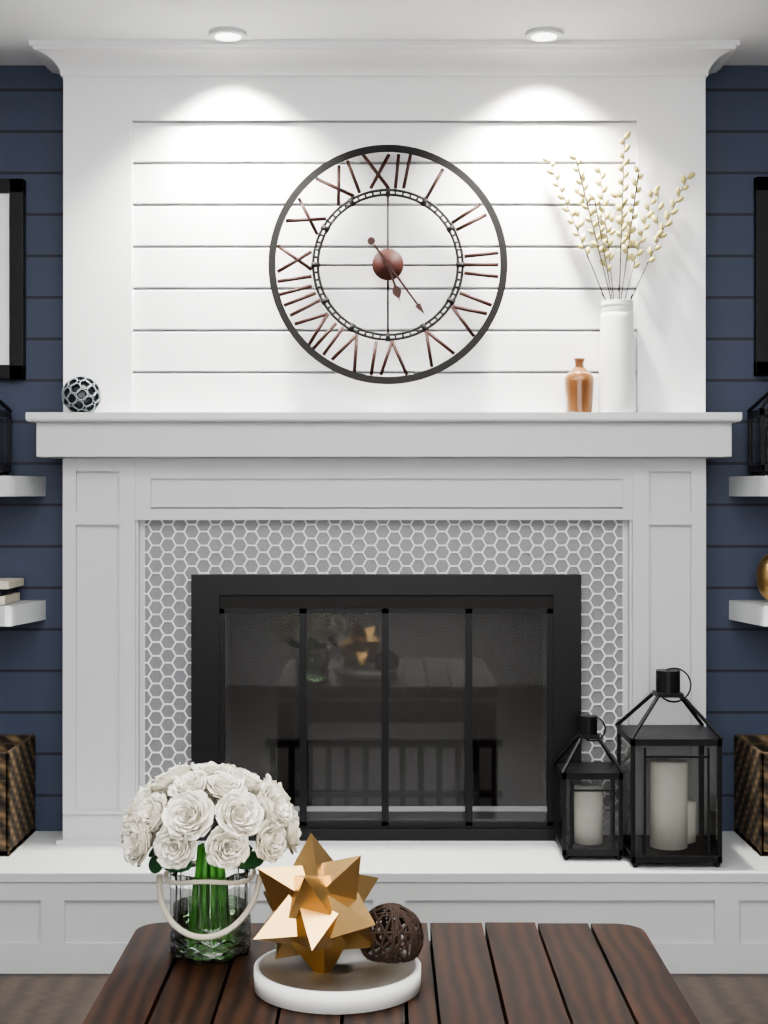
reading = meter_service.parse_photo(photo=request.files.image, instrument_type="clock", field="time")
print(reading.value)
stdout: 5:24
